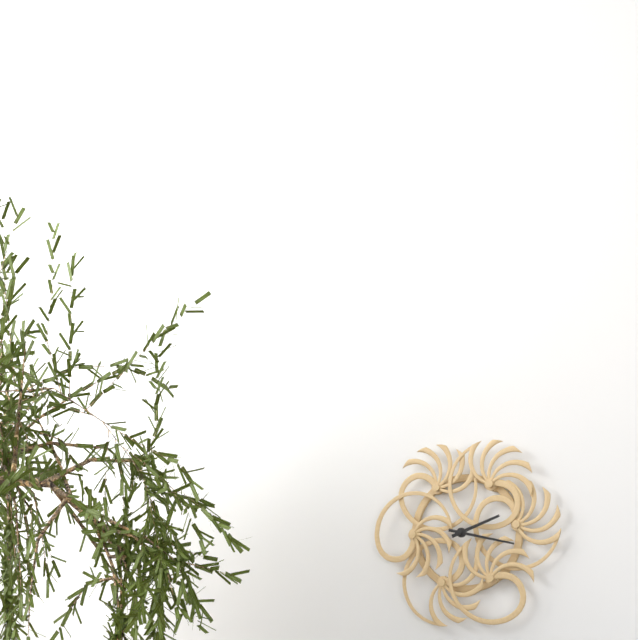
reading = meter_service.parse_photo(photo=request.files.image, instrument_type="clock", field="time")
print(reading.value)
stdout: 2:17
